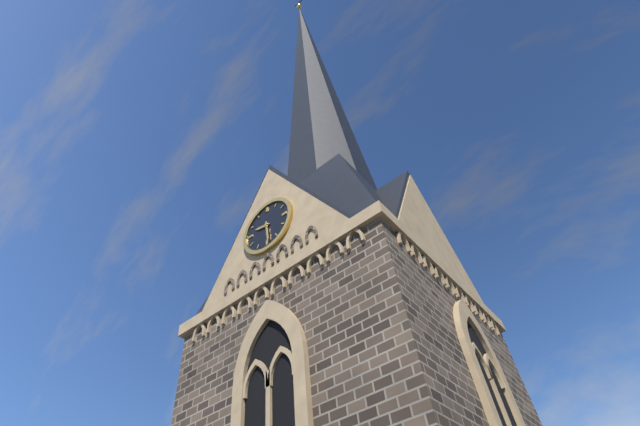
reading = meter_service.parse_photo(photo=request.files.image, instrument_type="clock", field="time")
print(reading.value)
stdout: 9:29
